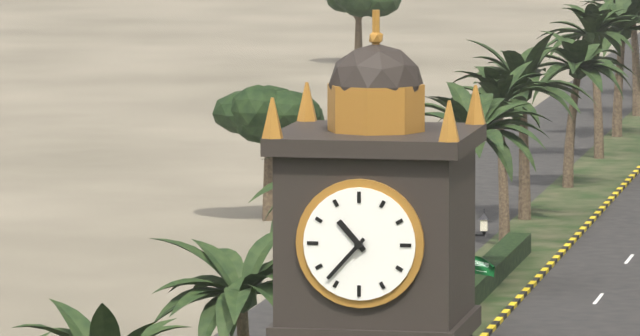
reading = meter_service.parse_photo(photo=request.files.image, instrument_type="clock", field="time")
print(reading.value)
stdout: 10:37
